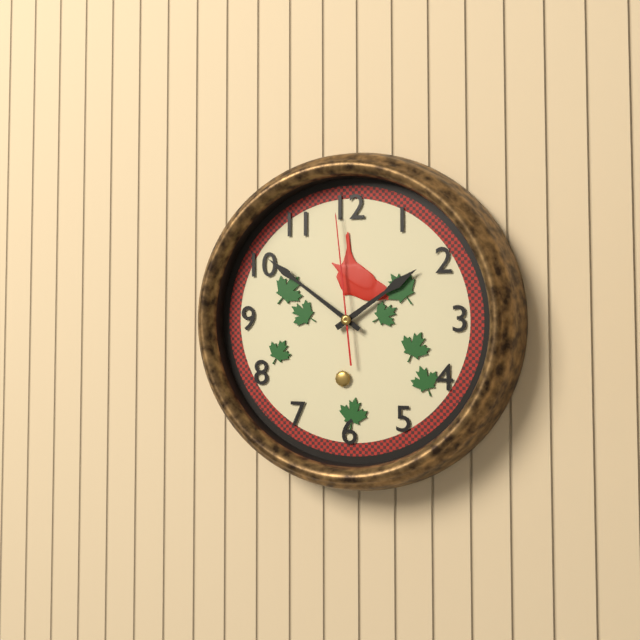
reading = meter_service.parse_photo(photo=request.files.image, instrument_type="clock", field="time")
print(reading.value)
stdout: 1:51:59
